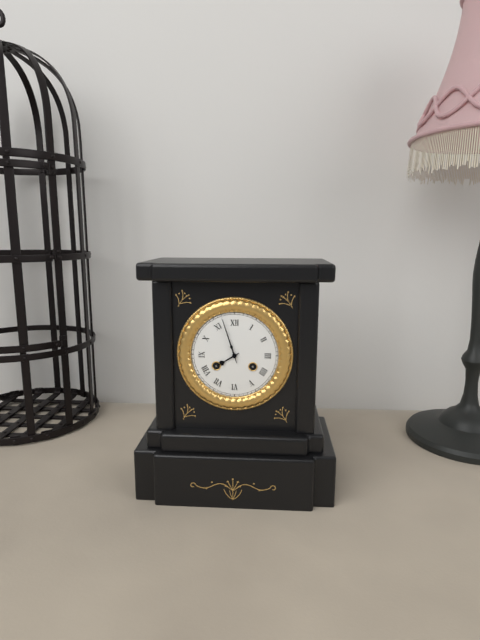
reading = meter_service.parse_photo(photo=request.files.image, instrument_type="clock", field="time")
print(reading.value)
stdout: 7:57
